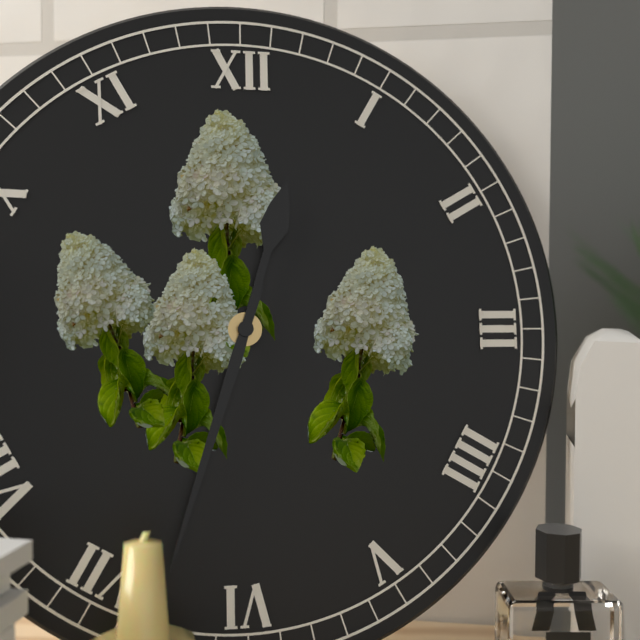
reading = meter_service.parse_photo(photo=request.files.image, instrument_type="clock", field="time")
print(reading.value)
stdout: 12:33
